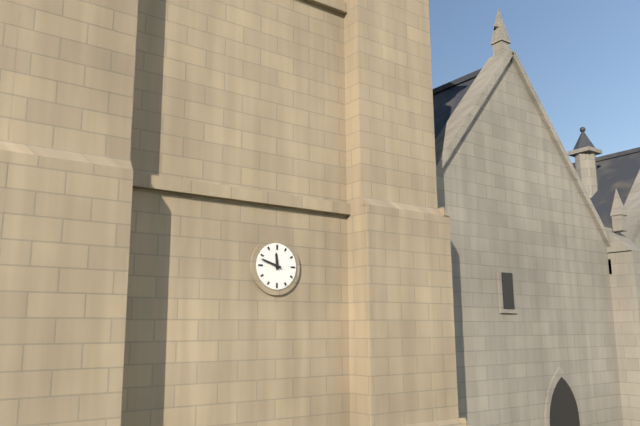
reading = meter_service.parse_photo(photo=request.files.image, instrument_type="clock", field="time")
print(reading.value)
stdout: 11:48
